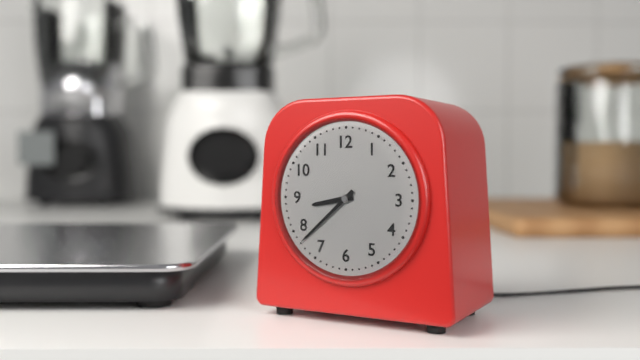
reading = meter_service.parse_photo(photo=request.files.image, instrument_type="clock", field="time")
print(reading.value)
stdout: 8:38
